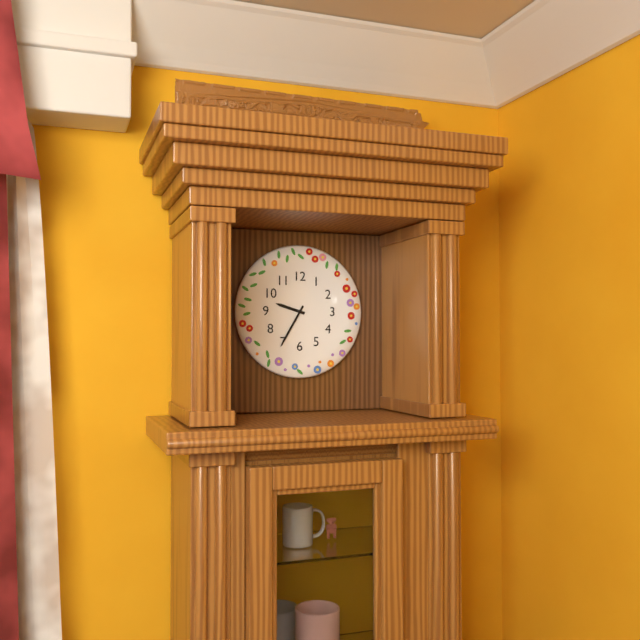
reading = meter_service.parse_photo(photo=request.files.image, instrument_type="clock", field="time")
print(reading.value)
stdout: 9:35
